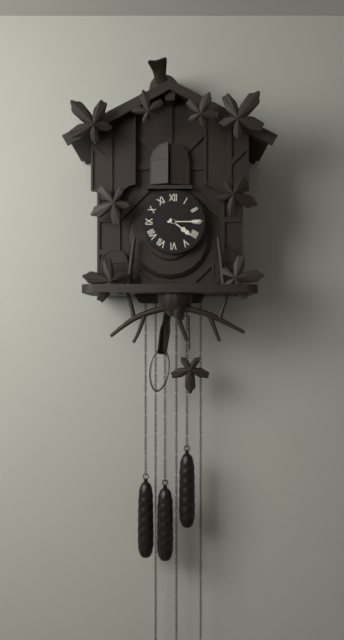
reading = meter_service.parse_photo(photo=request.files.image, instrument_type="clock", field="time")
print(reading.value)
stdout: 4:15
